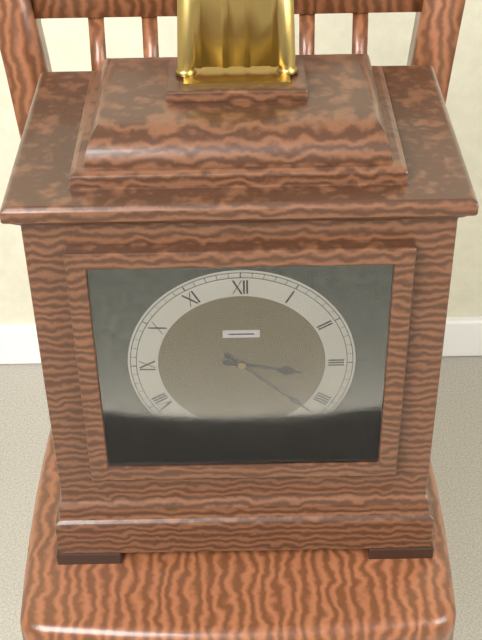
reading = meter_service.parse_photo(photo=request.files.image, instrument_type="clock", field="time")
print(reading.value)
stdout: 3:22
